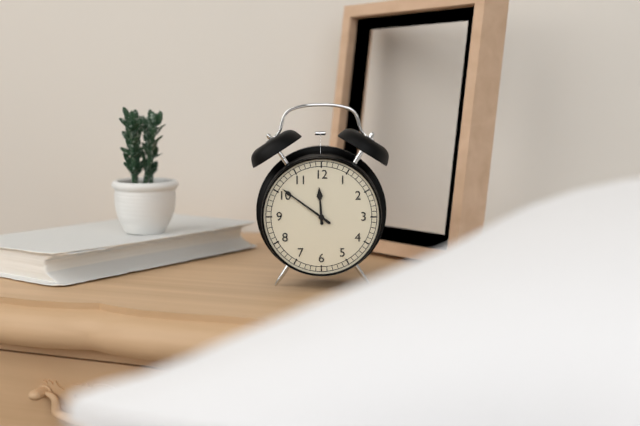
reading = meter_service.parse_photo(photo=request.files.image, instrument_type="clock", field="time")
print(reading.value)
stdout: 11:51
